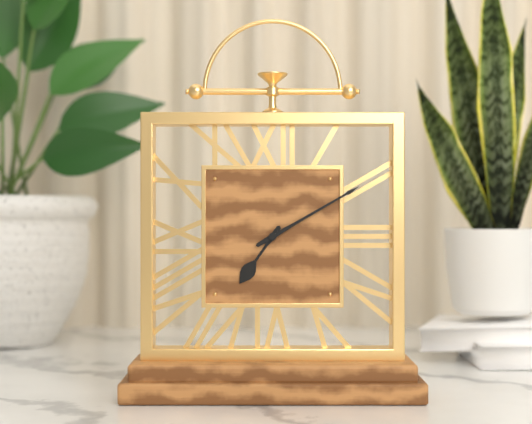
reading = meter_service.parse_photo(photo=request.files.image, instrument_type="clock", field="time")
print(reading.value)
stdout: 7:10
